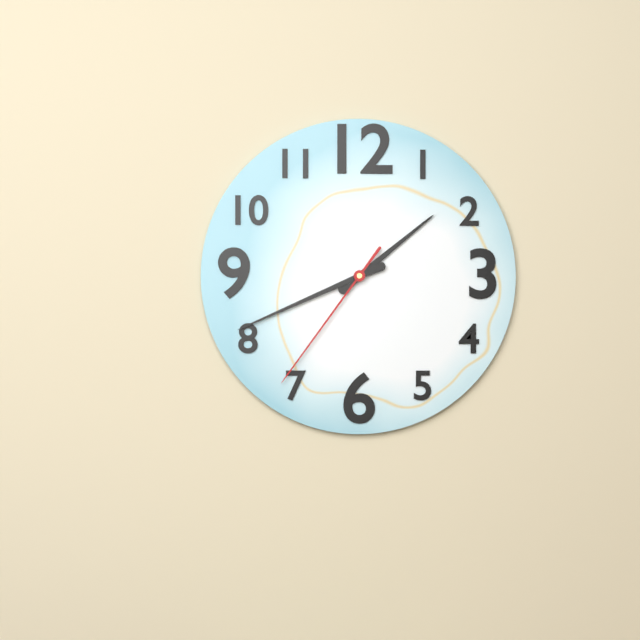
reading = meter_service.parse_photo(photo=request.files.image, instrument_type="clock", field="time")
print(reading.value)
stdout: 1:41:36
